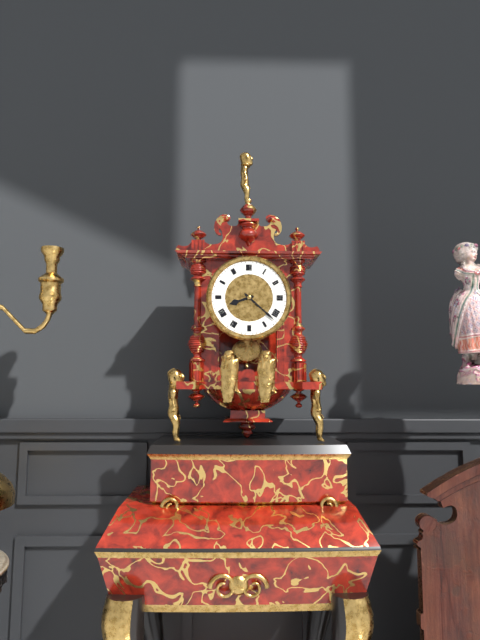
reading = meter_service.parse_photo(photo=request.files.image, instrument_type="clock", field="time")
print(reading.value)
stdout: 8:22
